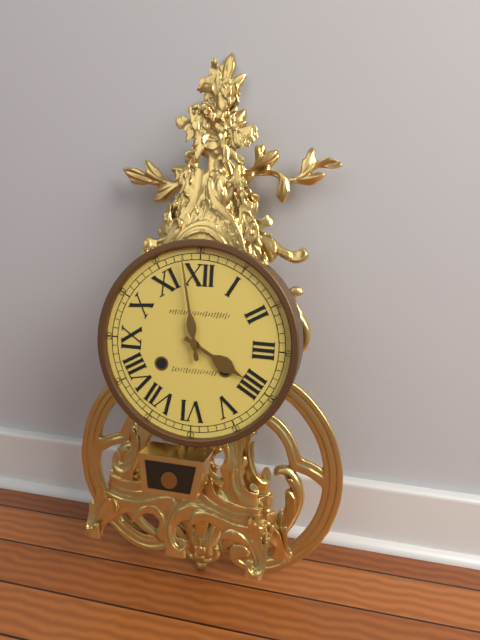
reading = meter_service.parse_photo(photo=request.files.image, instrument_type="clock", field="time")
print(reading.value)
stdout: 3:58
